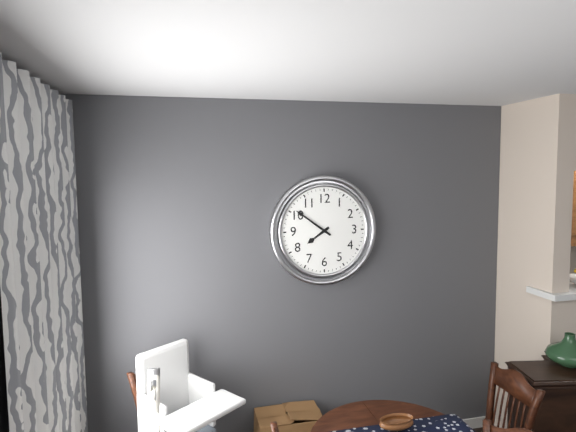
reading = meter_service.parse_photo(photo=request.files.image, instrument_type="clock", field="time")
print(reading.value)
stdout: 7:51
